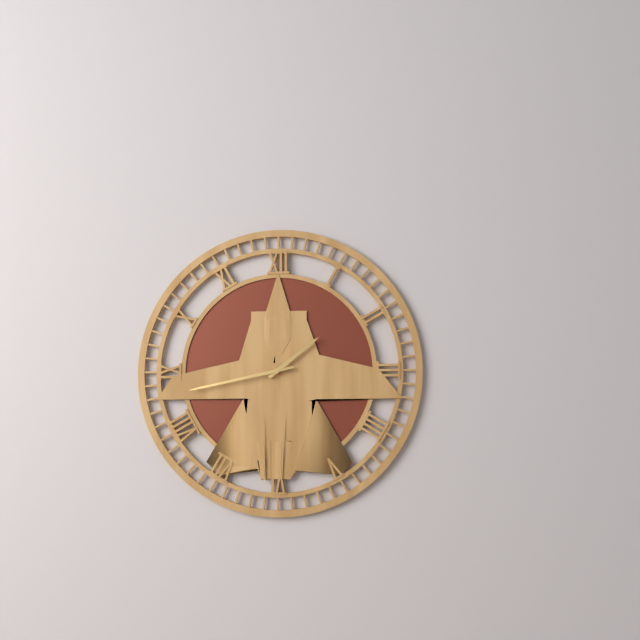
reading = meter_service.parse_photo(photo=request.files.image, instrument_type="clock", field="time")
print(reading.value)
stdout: 1:43
